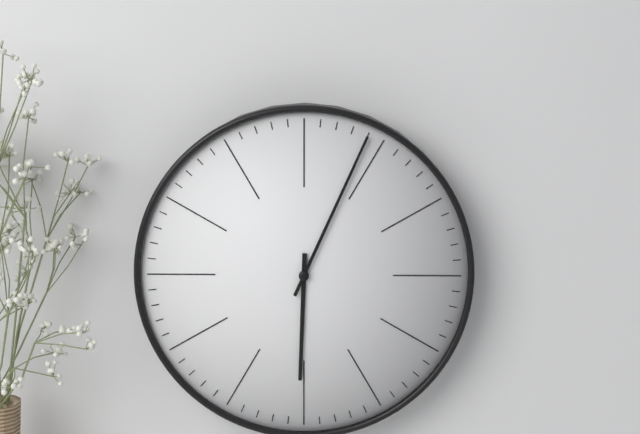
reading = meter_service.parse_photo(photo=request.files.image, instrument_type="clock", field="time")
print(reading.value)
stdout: 6:04
